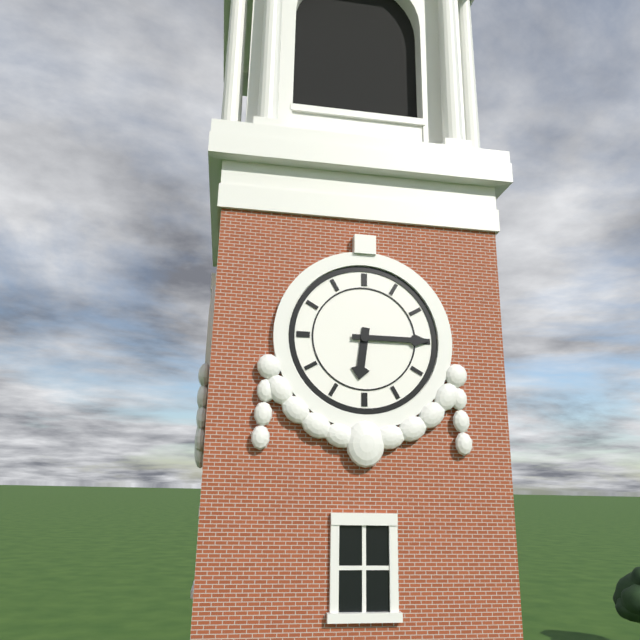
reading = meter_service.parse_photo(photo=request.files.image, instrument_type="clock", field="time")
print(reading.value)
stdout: 6:15
